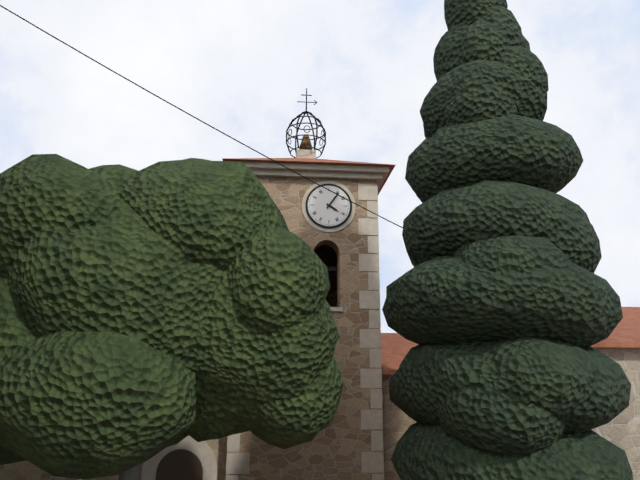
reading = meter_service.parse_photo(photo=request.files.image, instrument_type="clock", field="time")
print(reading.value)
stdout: 4:06
